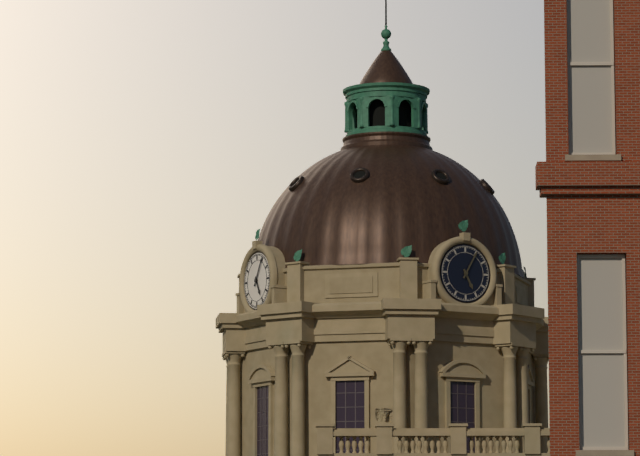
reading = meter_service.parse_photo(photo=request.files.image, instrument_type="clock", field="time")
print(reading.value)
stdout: 5:05
